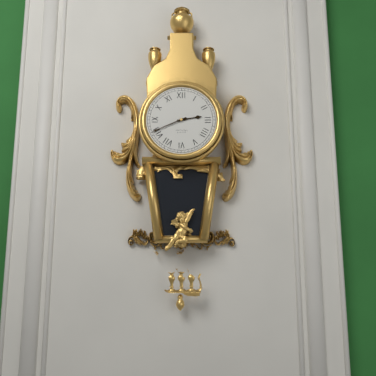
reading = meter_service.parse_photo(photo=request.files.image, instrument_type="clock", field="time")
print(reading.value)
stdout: 2:41
